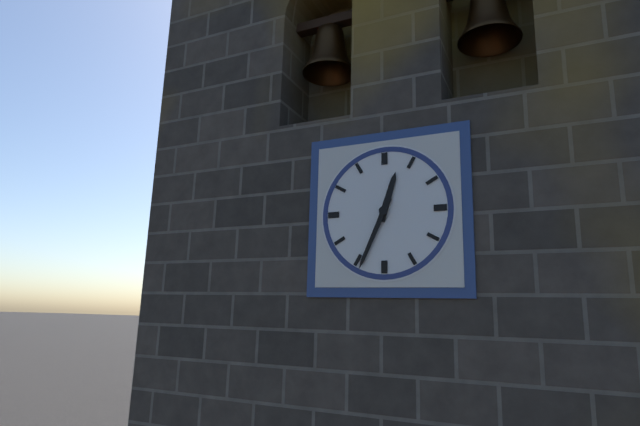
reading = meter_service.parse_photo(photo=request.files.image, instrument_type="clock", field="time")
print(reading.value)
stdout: 12:34
